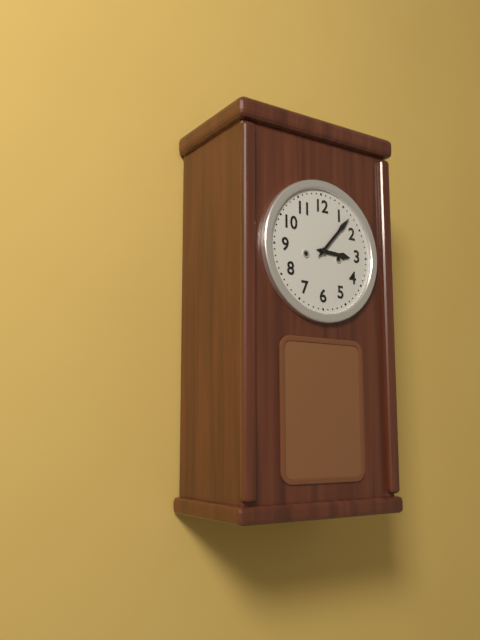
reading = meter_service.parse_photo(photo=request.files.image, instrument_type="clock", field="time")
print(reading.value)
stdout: 3:07
